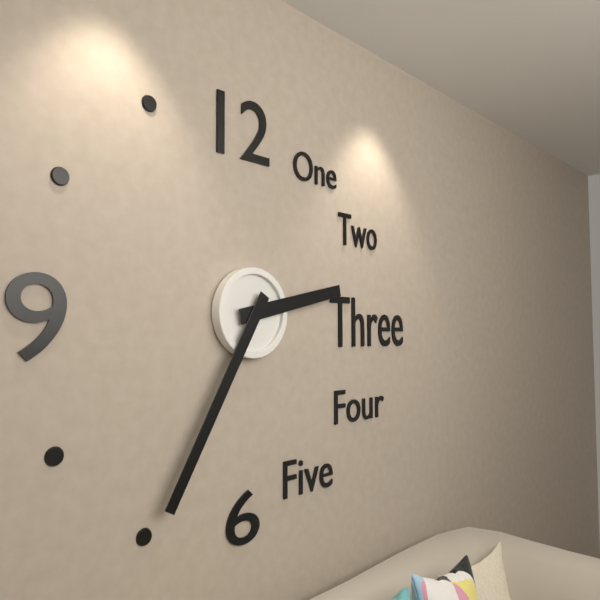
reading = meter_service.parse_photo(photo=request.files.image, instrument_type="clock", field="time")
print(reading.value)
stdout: 2:35
